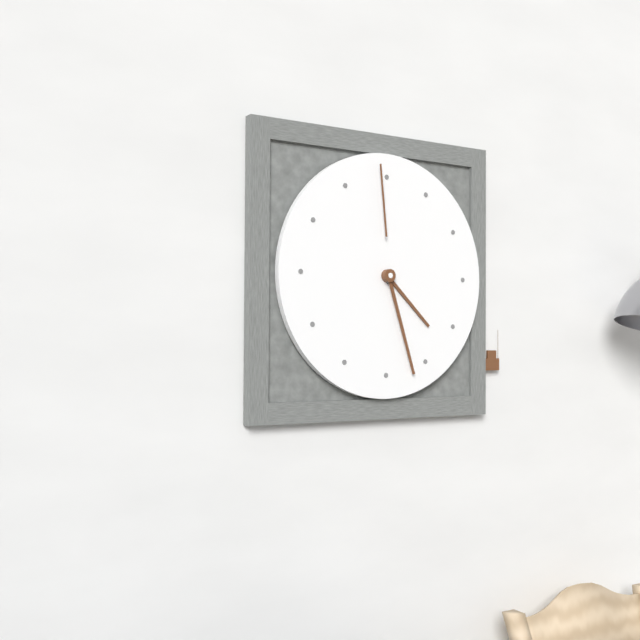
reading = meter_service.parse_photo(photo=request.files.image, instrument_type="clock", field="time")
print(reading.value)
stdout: 4:27:59
